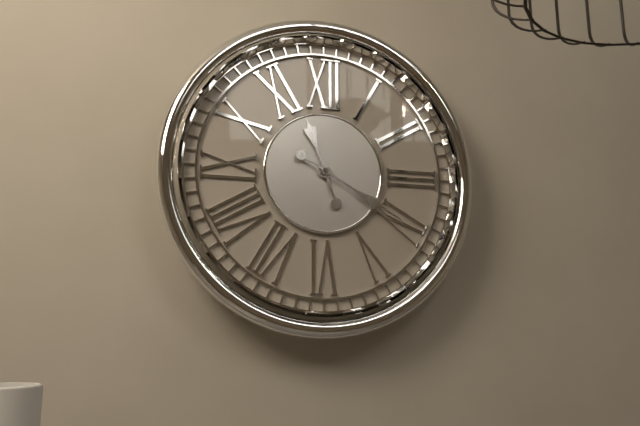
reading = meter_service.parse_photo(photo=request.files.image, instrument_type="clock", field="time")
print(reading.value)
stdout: 11:20
